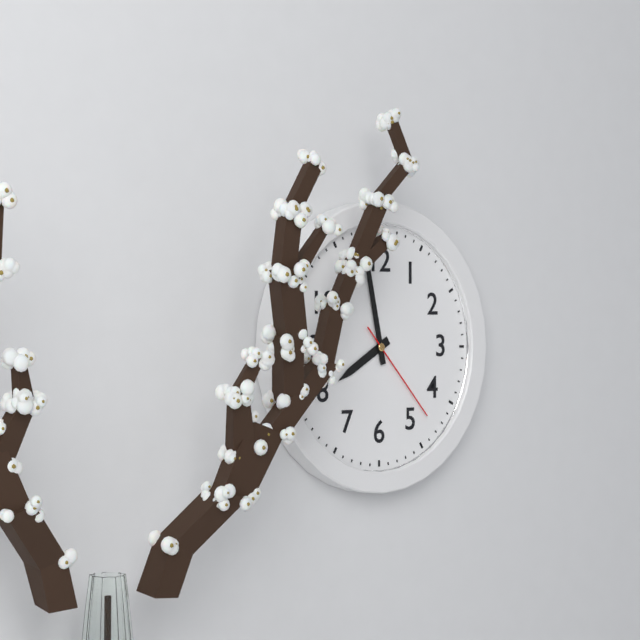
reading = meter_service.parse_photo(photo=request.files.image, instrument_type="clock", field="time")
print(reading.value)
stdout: 7:58:23
